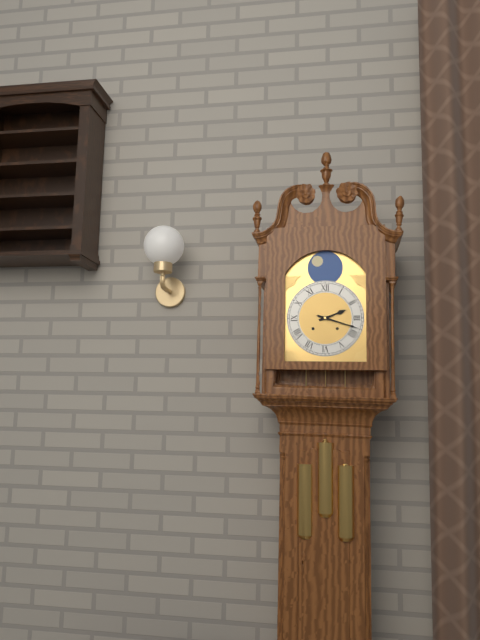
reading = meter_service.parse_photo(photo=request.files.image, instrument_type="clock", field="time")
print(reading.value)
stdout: 2:18
